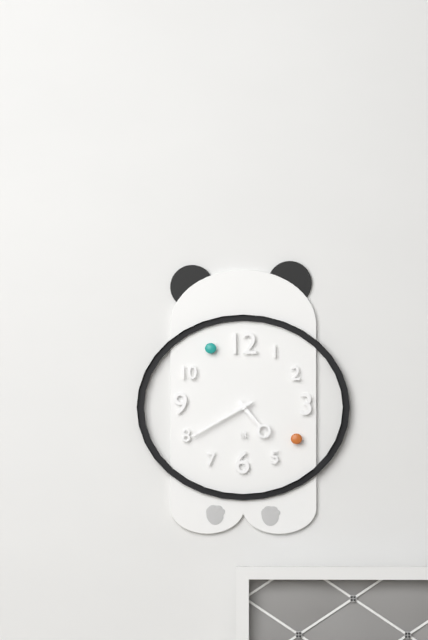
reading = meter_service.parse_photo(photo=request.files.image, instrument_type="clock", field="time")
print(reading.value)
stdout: 4:40
